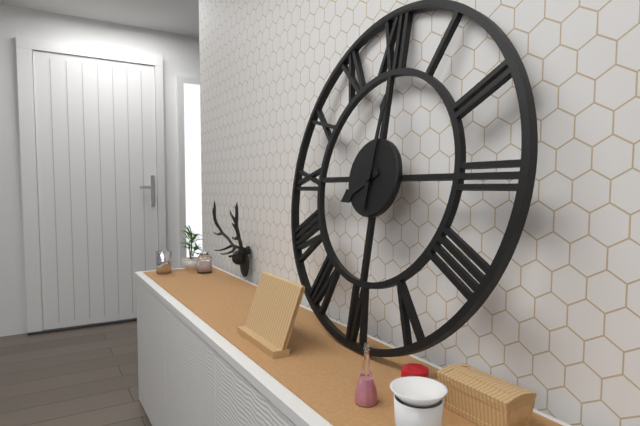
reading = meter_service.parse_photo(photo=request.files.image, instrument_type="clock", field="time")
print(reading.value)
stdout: 8:01
